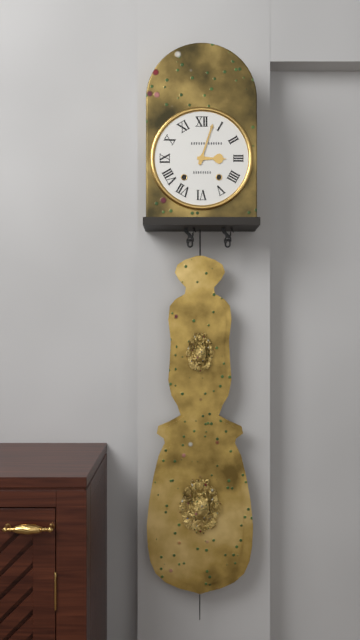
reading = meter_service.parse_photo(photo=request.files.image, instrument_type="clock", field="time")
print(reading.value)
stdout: 3:03
